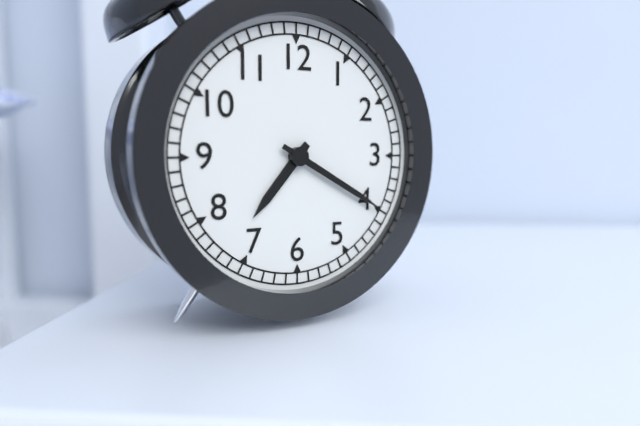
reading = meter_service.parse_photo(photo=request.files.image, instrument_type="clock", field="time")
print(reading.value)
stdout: 7:20
